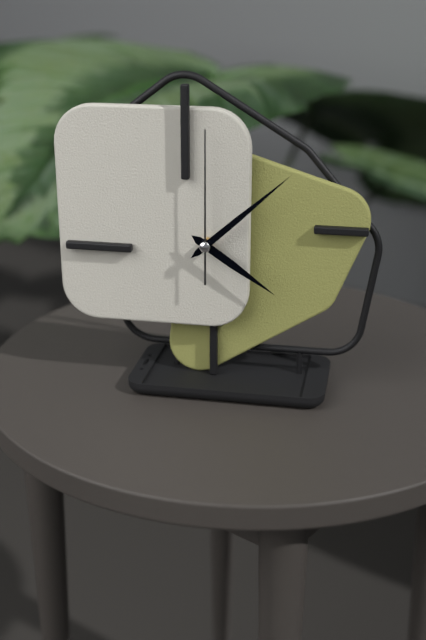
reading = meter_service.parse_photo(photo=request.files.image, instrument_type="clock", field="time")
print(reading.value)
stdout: 4:08:00
